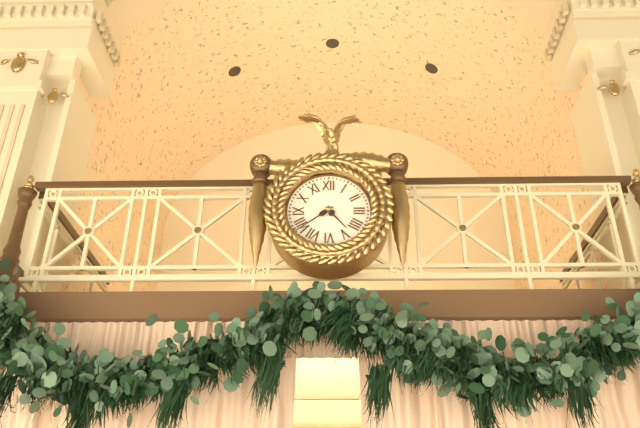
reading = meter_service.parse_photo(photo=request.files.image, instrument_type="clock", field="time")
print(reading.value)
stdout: 4:39
